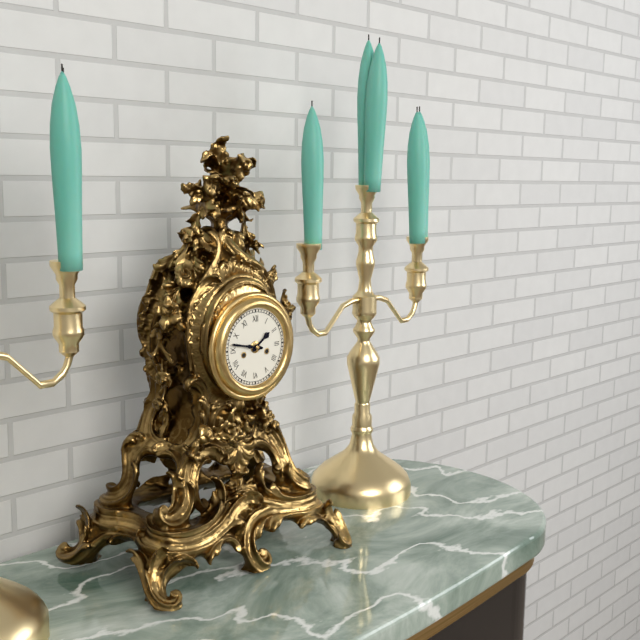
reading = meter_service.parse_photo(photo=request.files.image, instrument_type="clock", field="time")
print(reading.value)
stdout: 1:47
